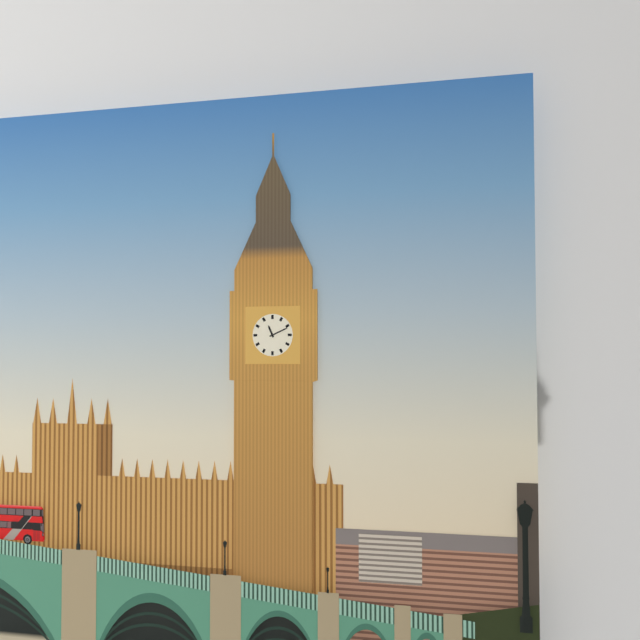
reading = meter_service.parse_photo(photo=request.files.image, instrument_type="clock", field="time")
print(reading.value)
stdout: 11:11
